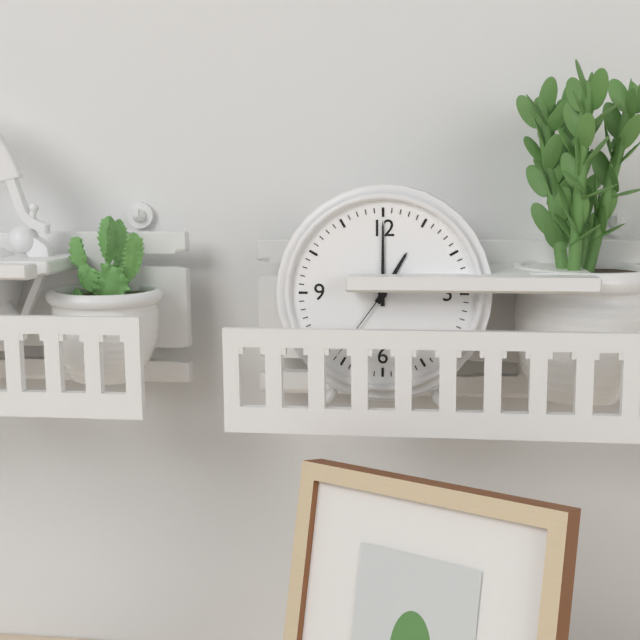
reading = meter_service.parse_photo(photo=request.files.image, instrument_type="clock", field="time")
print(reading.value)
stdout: 1:00
